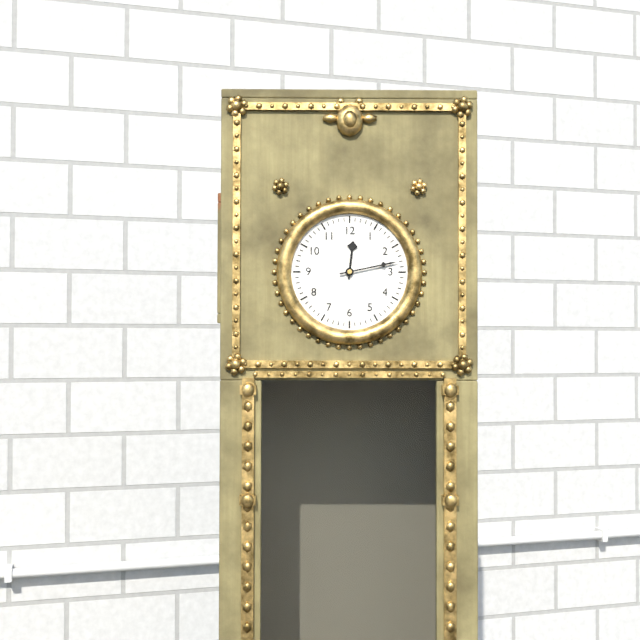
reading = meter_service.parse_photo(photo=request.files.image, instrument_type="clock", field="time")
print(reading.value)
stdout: 12:13
